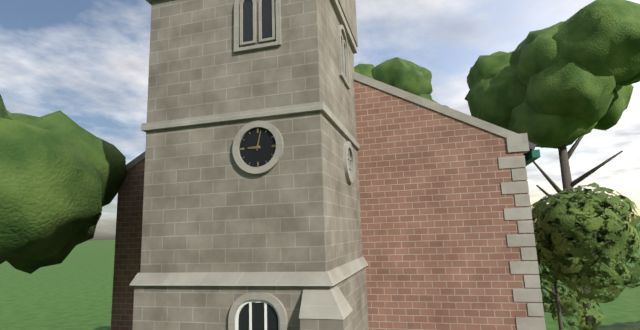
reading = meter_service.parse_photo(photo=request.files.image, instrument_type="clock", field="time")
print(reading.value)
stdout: 9:02
